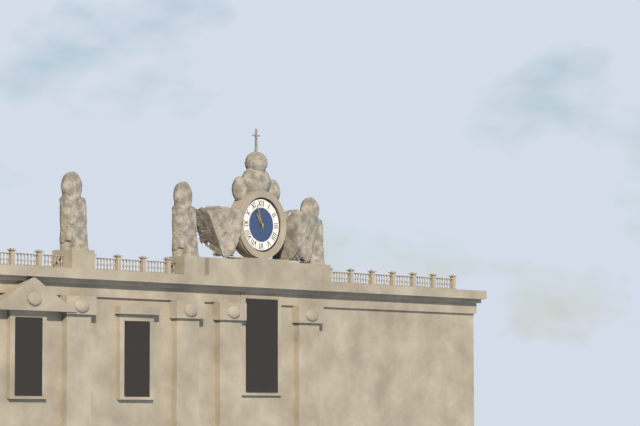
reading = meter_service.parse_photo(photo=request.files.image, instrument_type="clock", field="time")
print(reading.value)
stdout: 10:57
